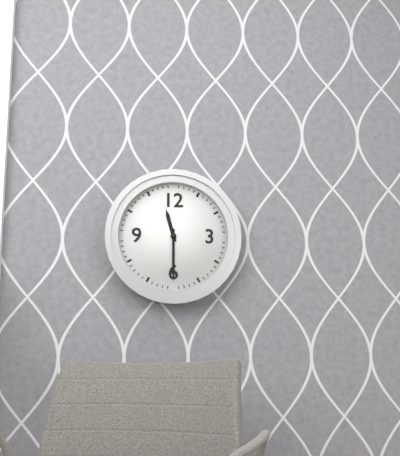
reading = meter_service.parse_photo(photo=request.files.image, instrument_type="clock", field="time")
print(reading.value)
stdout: 11:30
